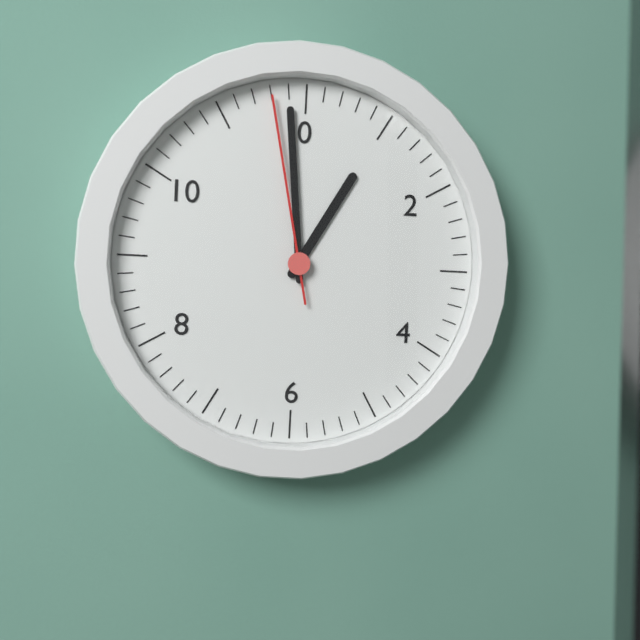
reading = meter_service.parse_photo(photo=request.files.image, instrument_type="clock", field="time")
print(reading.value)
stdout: 12:59:58
